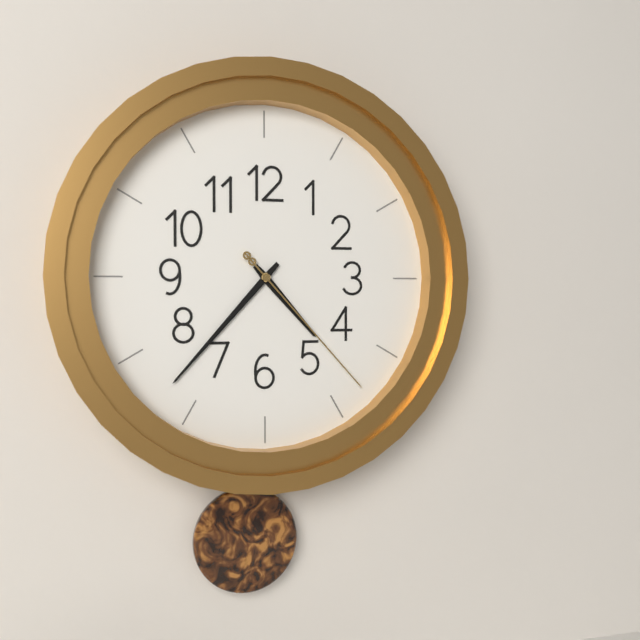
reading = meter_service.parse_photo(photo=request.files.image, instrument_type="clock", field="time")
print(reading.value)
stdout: 4:37:23
